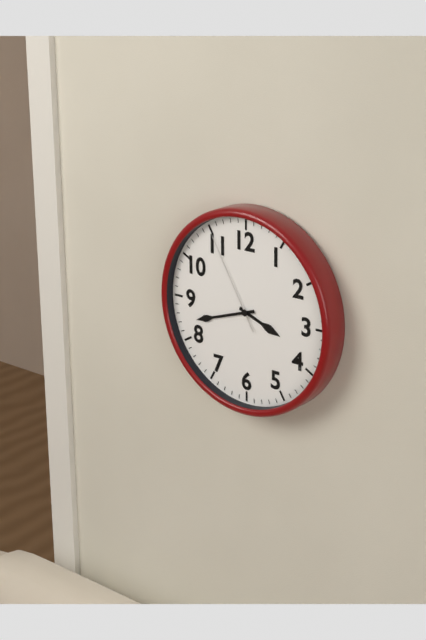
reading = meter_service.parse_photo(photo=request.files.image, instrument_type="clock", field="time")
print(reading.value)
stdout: 3:42:55
